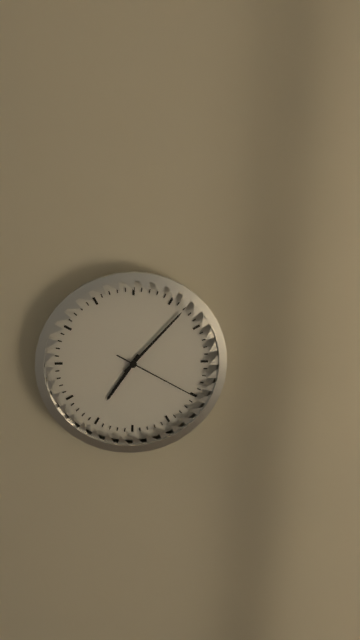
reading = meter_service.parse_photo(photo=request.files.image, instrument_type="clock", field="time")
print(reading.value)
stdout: 7:07:20
